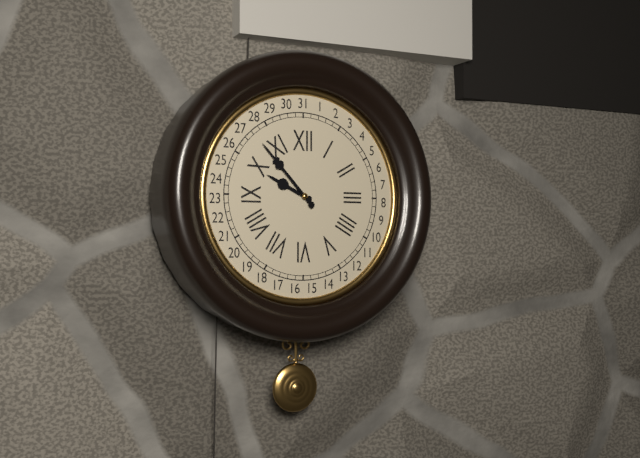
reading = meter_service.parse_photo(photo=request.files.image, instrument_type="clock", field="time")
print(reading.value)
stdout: 9:53
